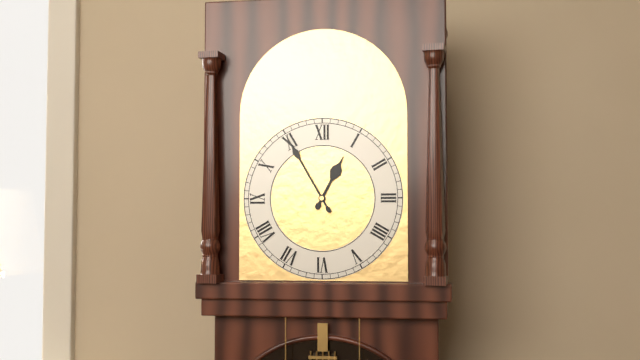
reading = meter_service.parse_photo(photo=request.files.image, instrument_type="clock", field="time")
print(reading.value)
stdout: 12:55
